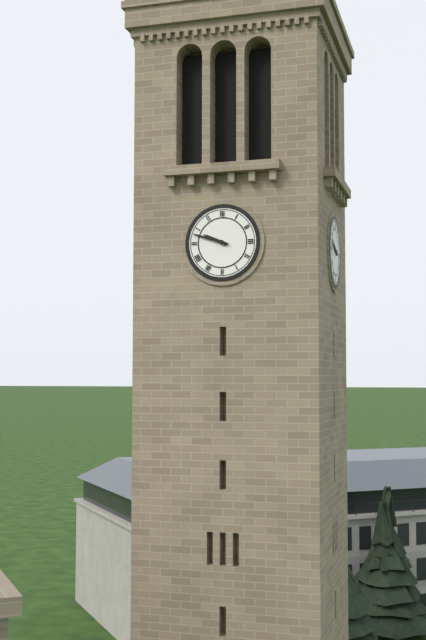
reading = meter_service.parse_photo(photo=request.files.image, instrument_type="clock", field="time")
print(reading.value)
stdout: 9:48
